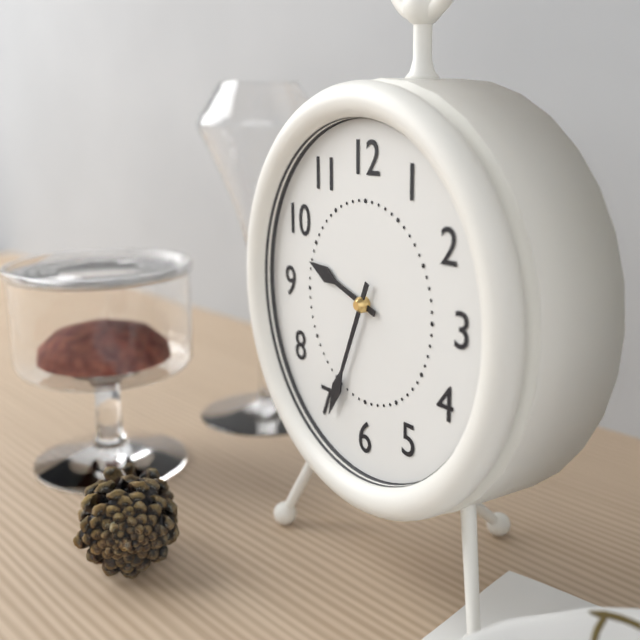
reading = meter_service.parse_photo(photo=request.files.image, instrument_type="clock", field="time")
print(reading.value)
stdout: 9:34
